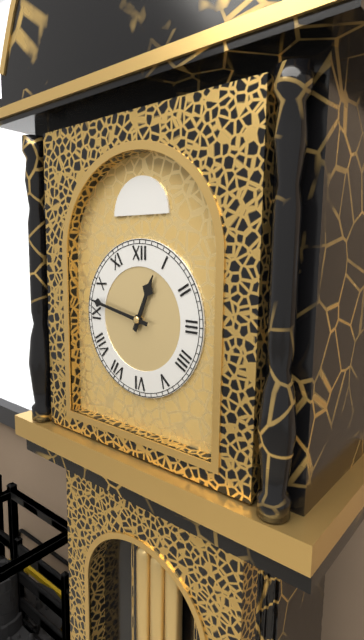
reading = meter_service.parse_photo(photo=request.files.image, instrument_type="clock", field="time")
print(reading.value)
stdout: 12:47
